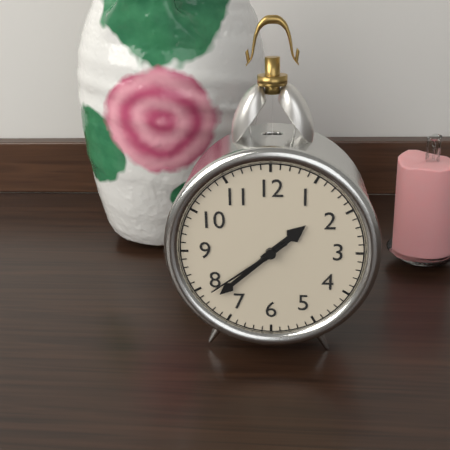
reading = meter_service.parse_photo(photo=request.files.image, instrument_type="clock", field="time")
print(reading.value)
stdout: 1:38:39
